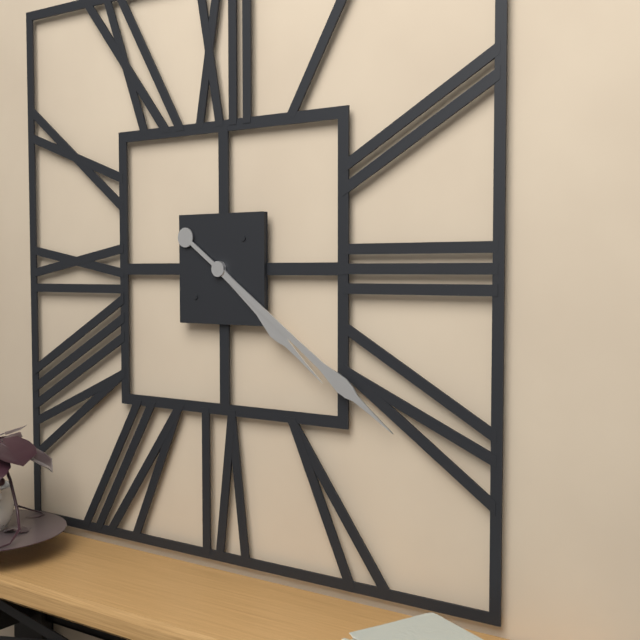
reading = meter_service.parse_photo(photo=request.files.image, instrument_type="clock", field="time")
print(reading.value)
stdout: 4:21
